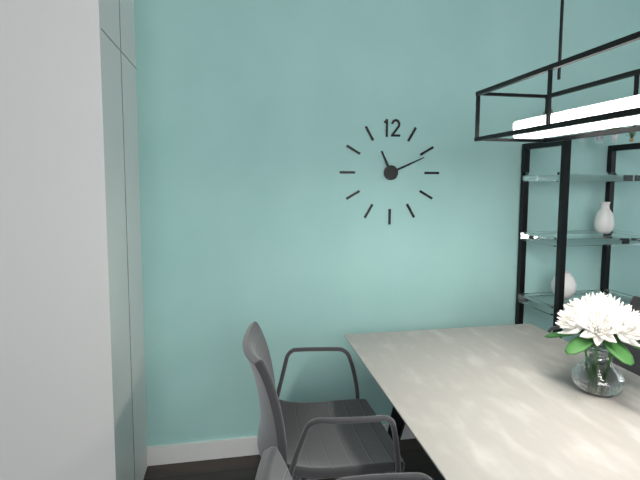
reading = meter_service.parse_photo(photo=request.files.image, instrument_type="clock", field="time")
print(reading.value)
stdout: 11:11
